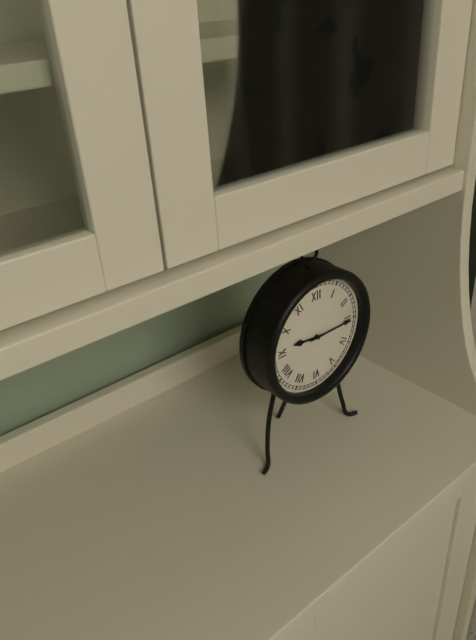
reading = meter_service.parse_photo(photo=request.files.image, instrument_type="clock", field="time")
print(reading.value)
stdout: 9:15
